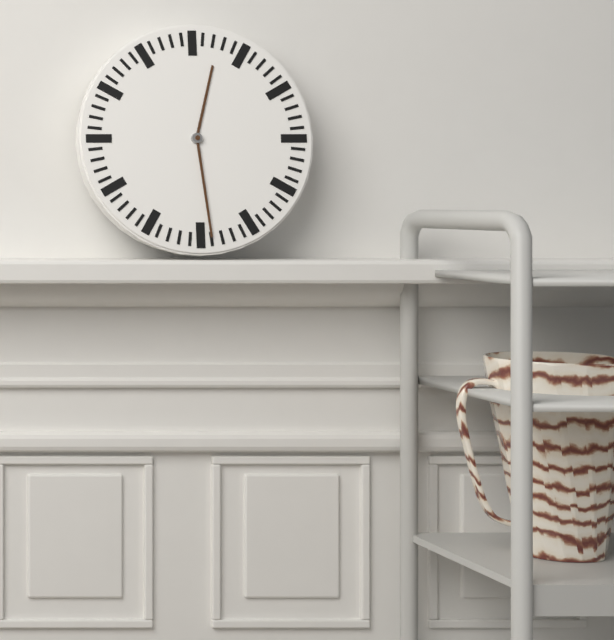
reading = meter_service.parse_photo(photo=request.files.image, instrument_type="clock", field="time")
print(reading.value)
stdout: 12:29
